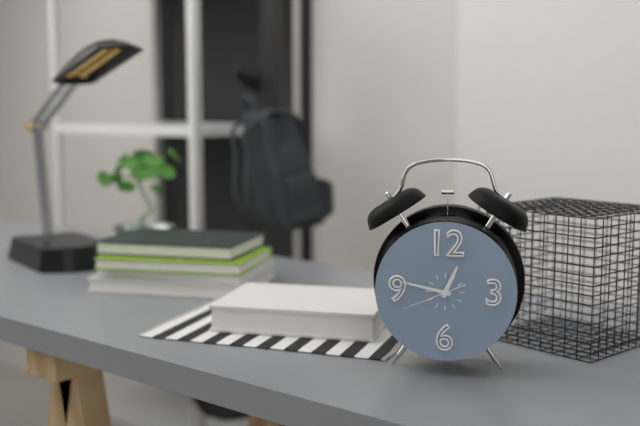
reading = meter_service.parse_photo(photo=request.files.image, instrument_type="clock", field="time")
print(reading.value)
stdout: 12:47:41
